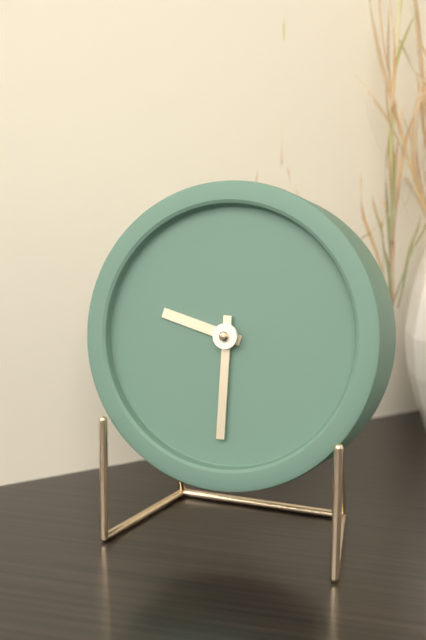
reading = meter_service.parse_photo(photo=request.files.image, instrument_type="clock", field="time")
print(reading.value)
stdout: 9:30
